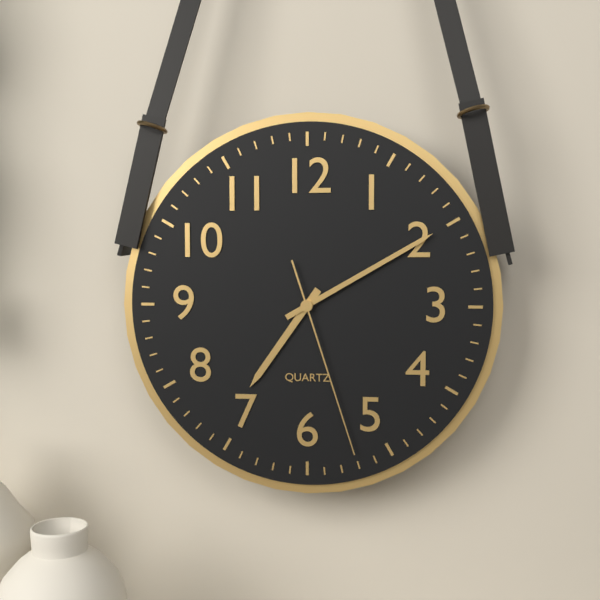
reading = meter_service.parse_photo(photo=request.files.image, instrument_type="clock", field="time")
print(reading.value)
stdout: 7:10:27
